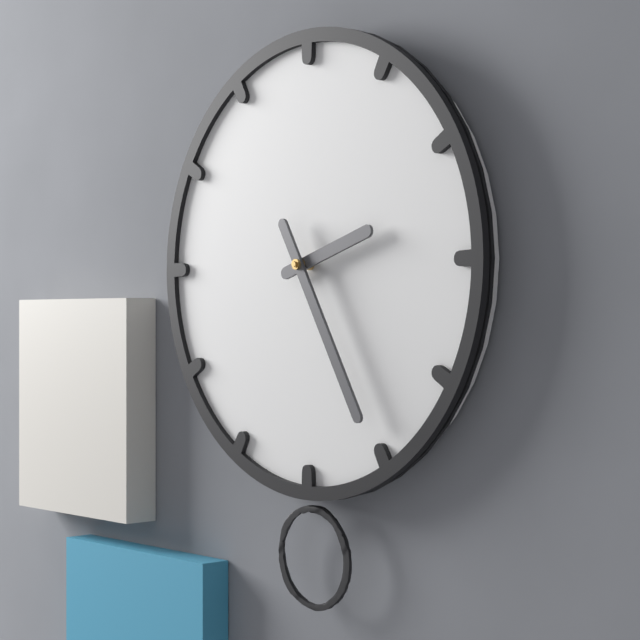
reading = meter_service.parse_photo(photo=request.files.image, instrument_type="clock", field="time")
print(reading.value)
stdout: 2:25
